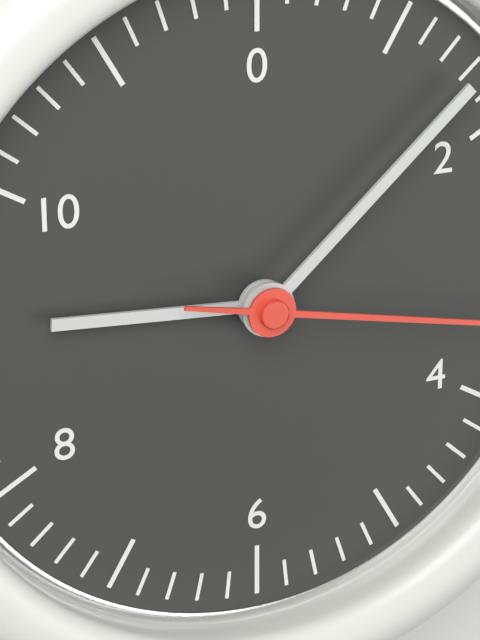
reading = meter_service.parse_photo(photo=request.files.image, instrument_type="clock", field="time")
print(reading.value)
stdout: 9:08
